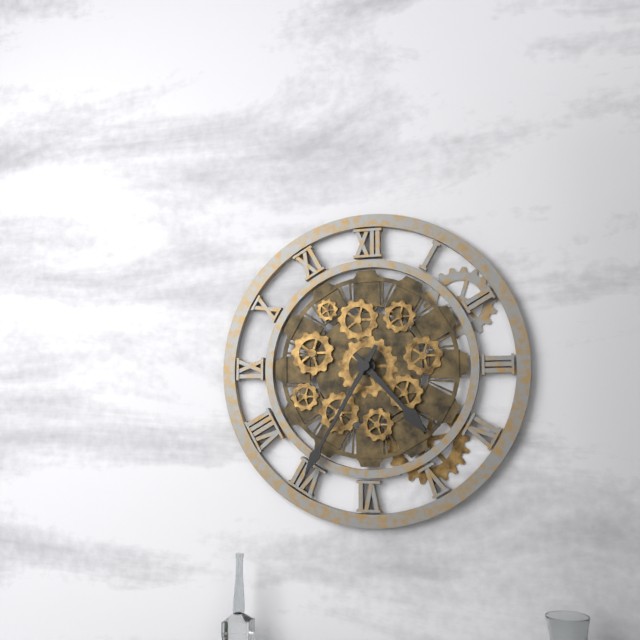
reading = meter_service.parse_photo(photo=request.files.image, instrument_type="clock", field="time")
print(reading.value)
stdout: 4:35
